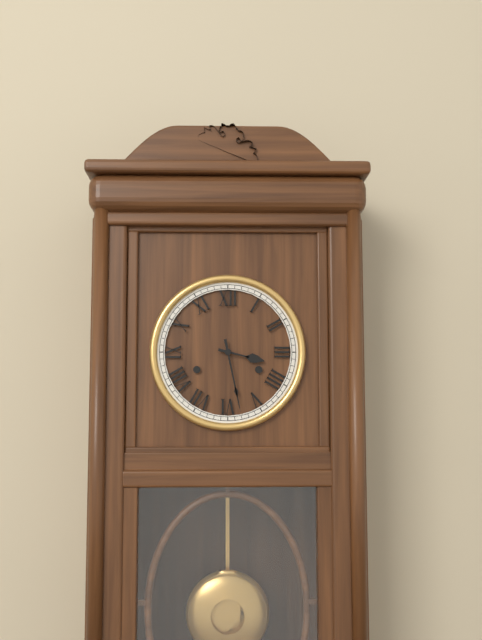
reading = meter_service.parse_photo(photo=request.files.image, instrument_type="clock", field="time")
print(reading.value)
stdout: 3:28
